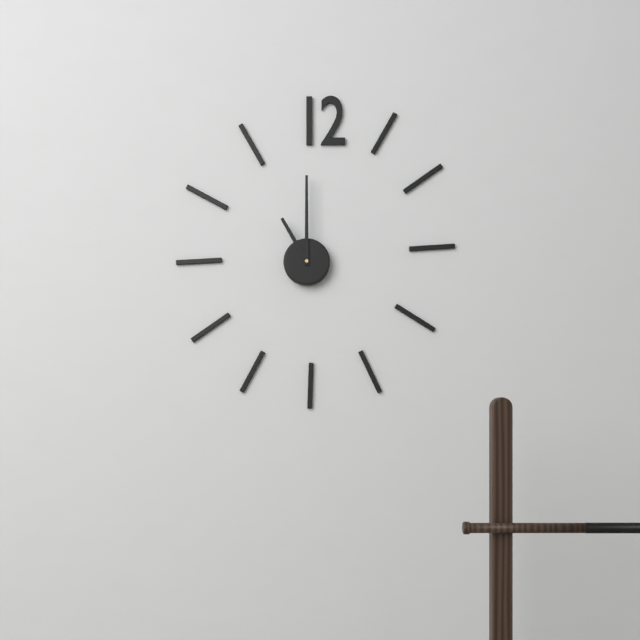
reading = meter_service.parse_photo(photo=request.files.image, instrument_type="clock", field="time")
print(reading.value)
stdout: 11:00
